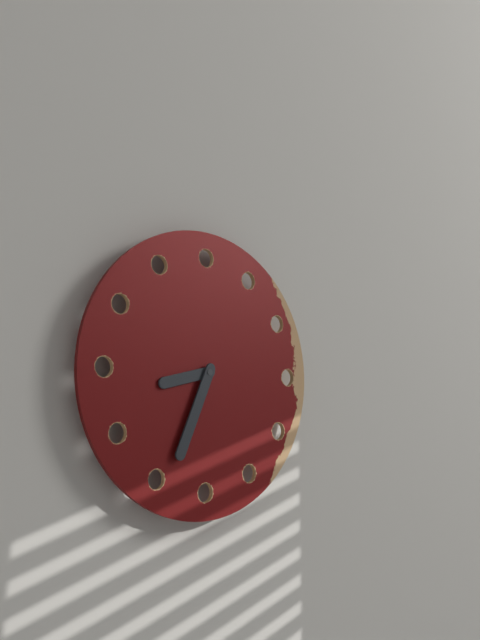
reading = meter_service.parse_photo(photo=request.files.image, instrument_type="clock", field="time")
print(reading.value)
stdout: 8:34
